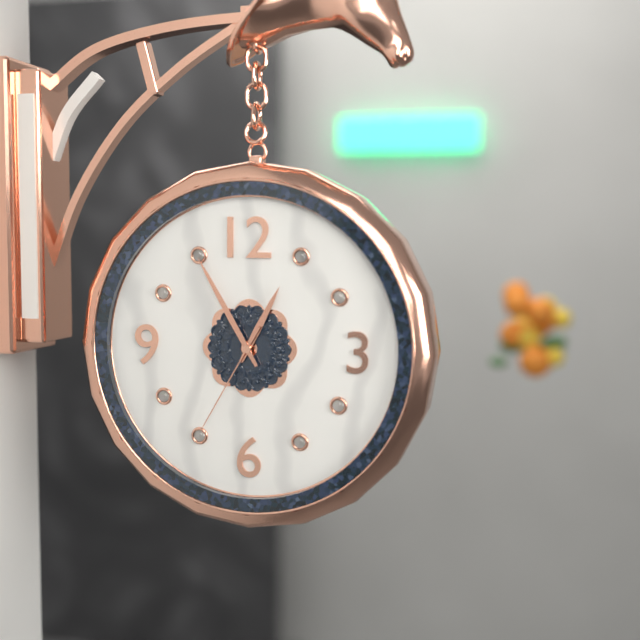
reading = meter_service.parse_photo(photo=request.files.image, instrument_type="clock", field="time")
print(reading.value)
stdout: 12:55:35
